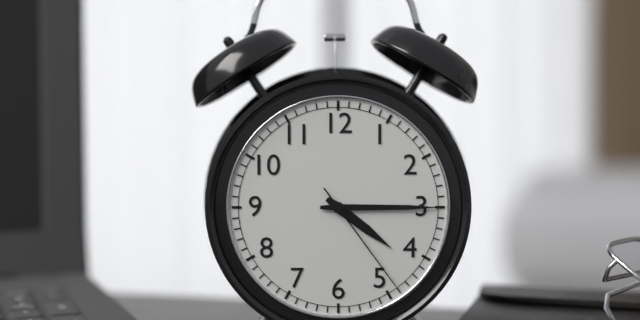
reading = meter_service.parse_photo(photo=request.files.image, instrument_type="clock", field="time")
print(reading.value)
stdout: 4:15:24
